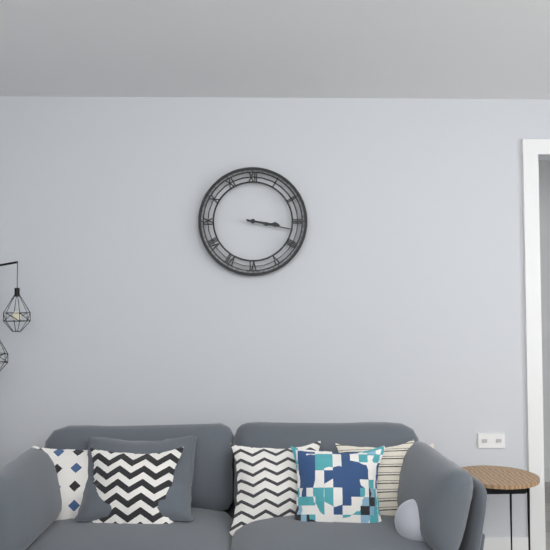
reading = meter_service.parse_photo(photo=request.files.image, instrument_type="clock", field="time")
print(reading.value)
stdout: 3:17
